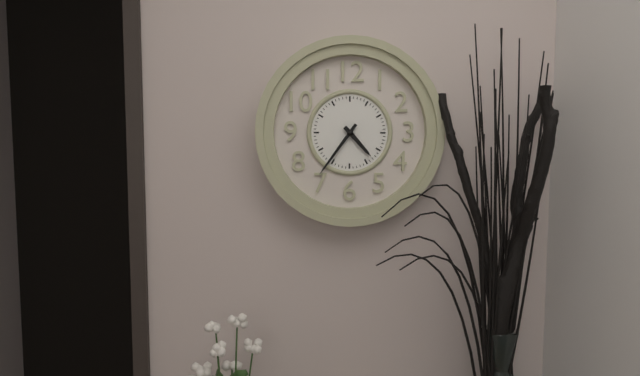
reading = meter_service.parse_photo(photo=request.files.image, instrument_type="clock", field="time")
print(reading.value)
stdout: 4:36
